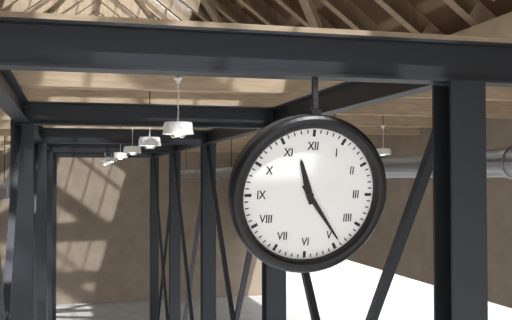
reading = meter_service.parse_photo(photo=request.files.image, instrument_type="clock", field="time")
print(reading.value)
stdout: 11:24
